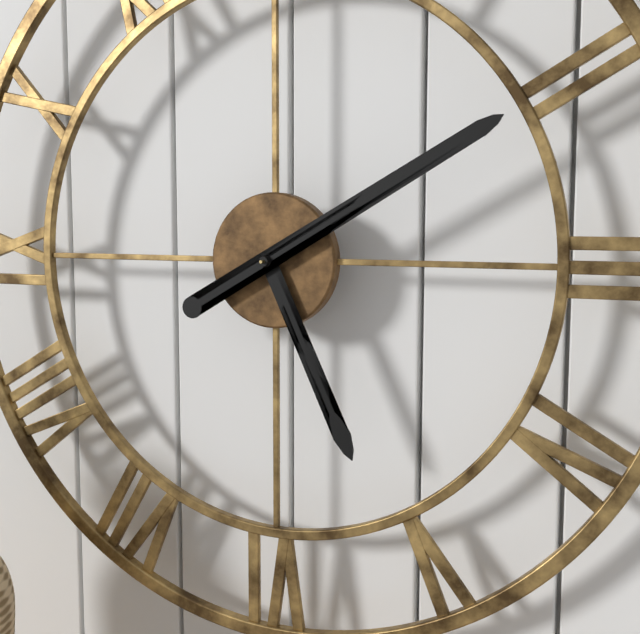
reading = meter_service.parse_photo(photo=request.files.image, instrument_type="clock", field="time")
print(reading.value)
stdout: 5:10
